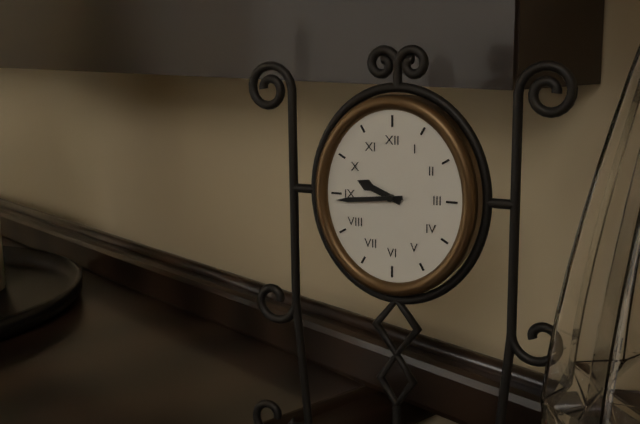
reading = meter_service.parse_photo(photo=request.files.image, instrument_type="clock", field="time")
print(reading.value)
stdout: 9:44
